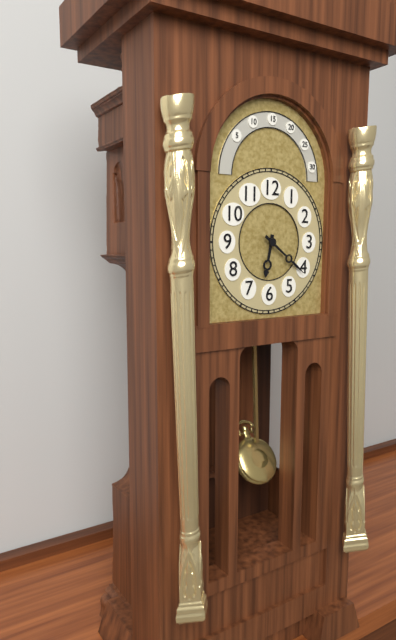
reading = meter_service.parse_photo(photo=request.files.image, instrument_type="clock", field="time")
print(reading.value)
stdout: 6:21
